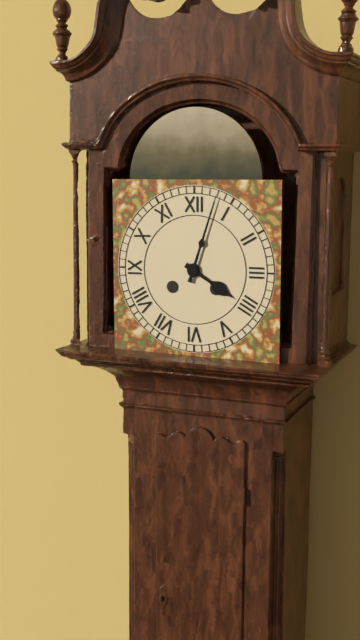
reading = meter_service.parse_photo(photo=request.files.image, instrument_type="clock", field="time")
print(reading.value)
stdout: 4:03
